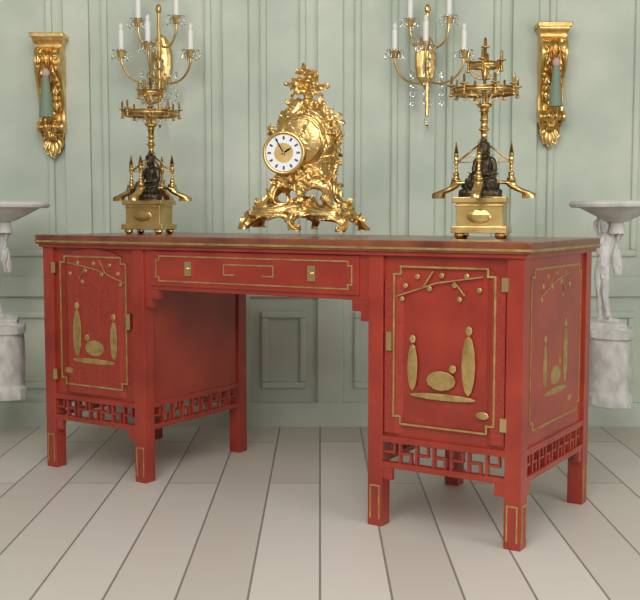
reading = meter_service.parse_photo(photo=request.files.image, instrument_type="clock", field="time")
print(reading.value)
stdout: 1:55
